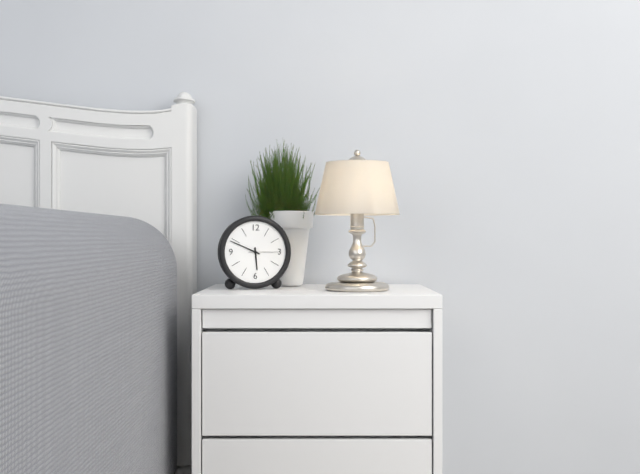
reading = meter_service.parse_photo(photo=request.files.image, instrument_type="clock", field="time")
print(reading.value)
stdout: 5:49
